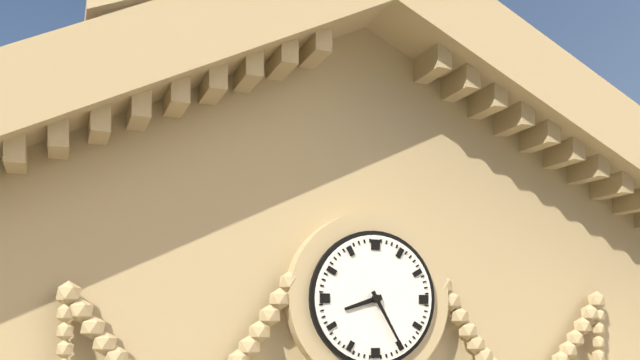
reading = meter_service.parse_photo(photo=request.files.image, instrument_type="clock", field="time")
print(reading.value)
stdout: 8:25
